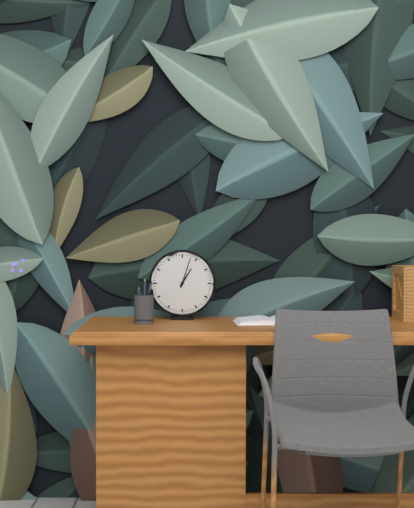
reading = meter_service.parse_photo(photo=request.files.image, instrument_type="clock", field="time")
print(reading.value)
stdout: 1:03
